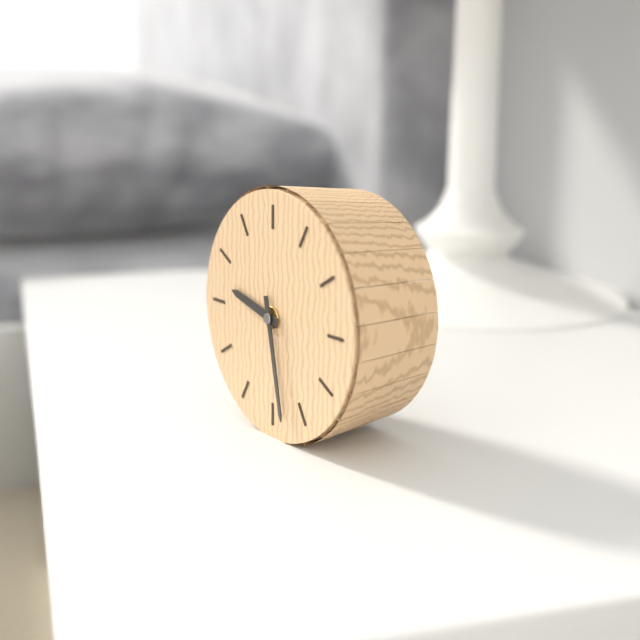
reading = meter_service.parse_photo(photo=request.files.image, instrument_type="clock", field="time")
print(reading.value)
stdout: 9:28
